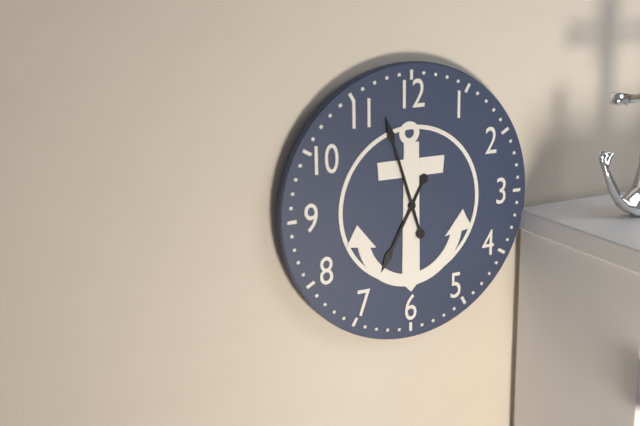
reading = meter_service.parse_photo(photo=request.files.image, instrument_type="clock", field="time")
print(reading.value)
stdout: 6:57
